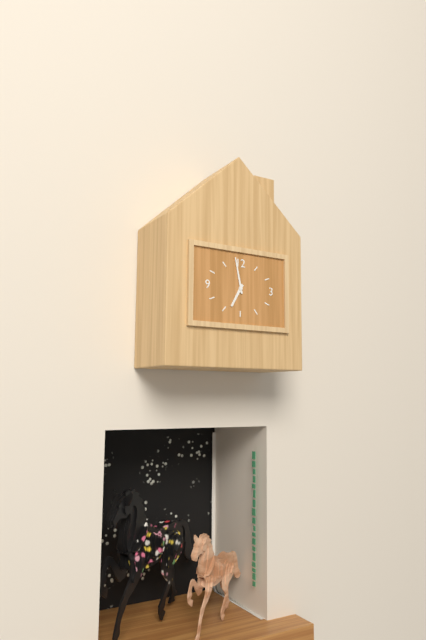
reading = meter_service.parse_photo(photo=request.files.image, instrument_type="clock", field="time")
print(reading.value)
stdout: 6:58
